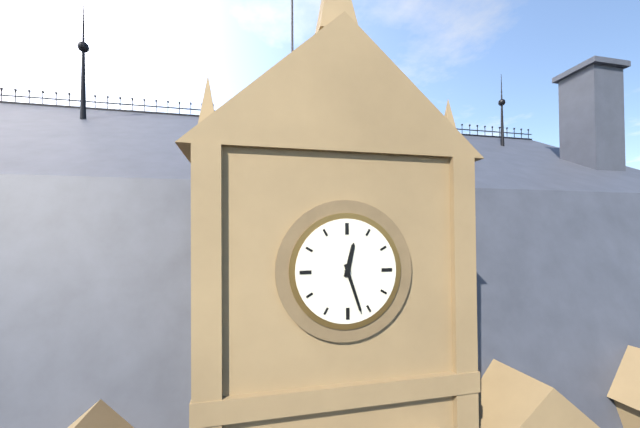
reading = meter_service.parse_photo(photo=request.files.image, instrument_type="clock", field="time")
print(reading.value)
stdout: 12:27
